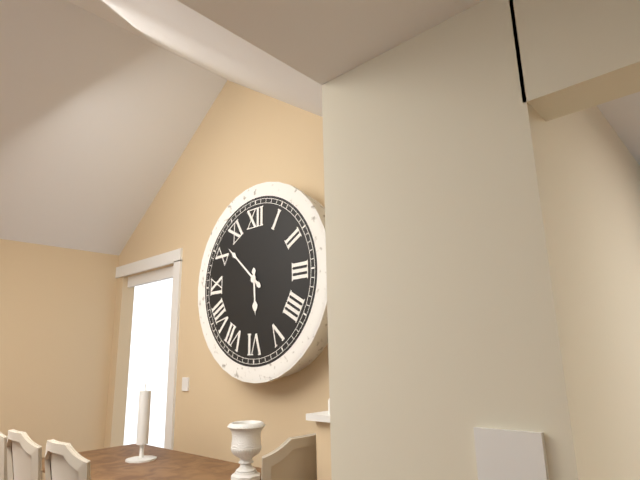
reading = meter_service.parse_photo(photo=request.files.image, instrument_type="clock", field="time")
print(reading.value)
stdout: 5:52
